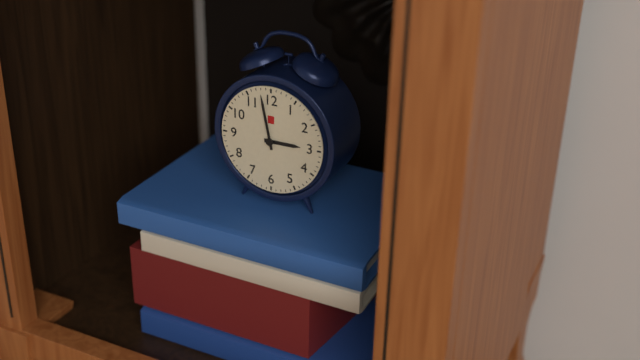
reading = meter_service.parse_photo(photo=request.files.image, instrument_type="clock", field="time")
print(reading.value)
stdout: 2:58
